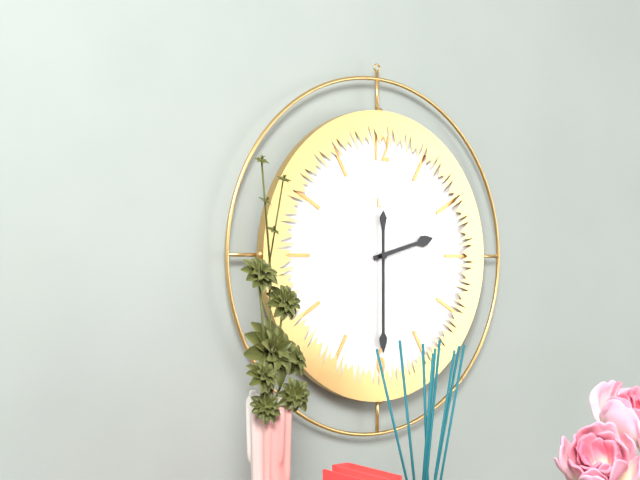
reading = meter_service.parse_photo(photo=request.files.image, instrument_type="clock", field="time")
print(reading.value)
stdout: 2:30
